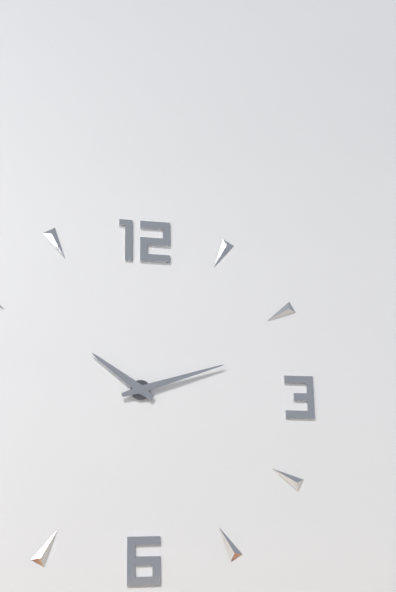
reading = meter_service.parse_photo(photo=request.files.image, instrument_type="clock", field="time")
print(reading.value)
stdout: 10:12
